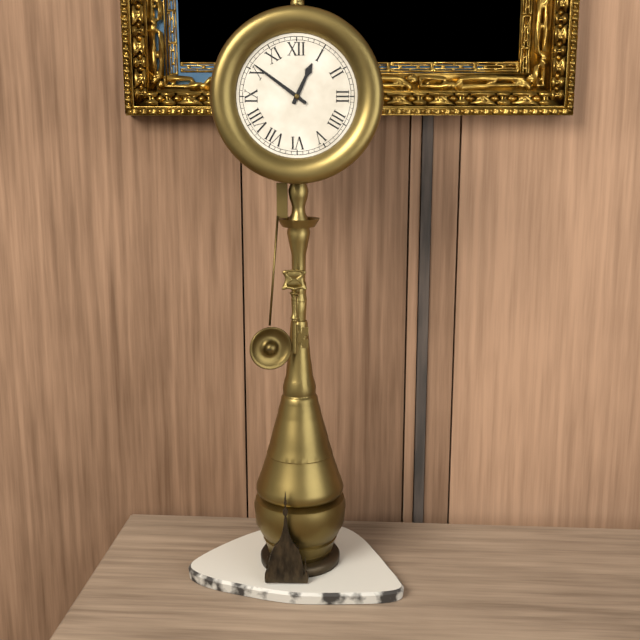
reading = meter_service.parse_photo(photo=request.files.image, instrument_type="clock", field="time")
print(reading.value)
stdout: 12:51
